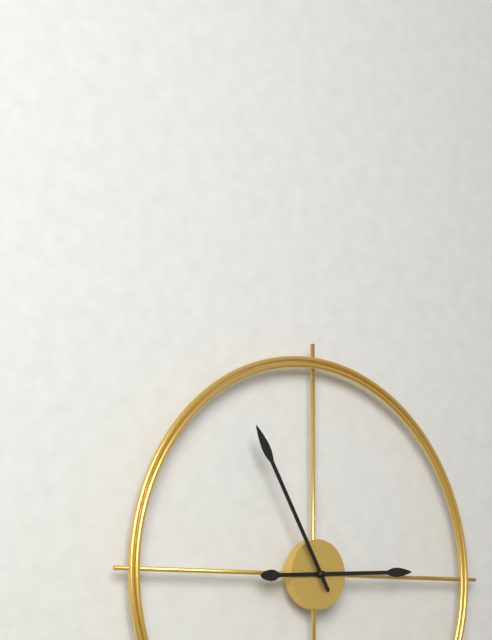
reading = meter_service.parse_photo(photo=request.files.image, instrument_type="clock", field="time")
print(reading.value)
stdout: 2:55
